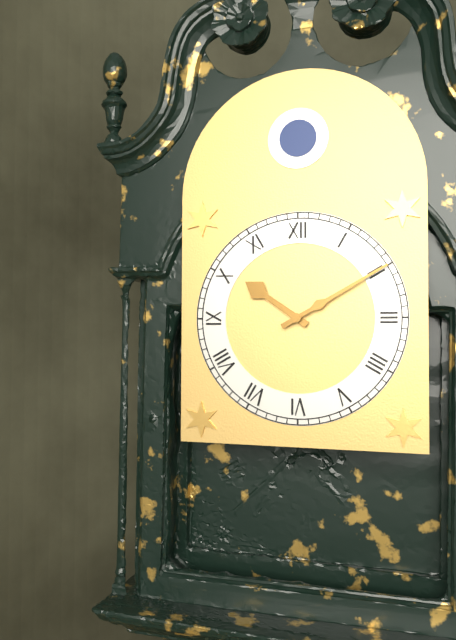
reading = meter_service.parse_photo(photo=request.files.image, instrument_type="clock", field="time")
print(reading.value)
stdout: 10:10
